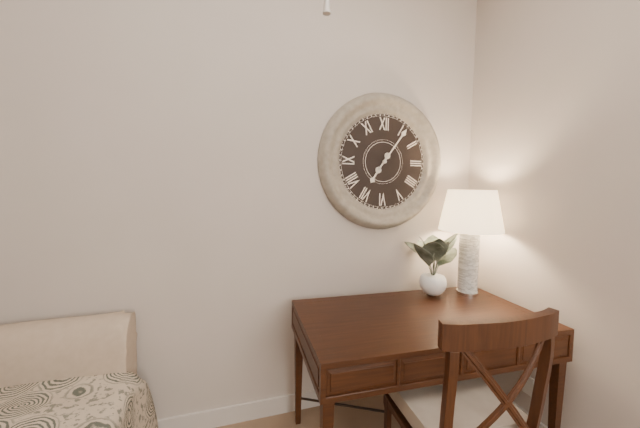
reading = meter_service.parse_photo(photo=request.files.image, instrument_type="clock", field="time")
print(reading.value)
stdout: 7:06
